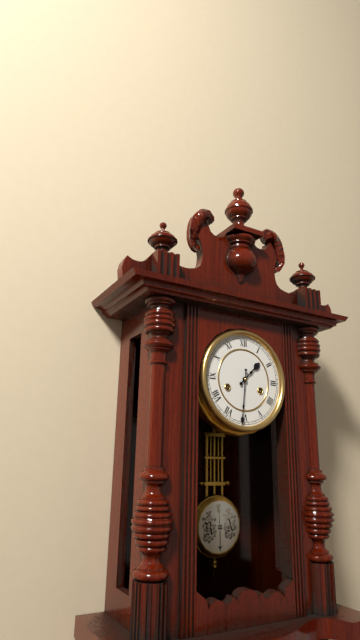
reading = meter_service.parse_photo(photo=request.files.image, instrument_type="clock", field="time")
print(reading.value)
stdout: 1:31
